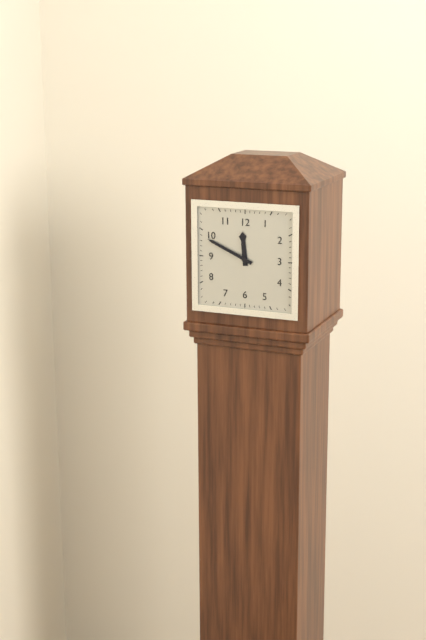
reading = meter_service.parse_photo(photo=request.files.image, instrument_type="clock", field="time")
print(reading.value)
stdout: 11:49
